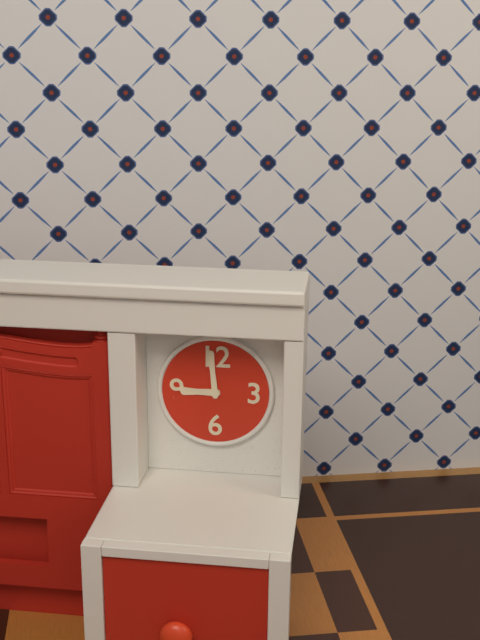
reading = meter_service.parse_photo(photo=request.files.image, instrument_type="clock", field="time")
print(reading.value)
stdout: 8:59
